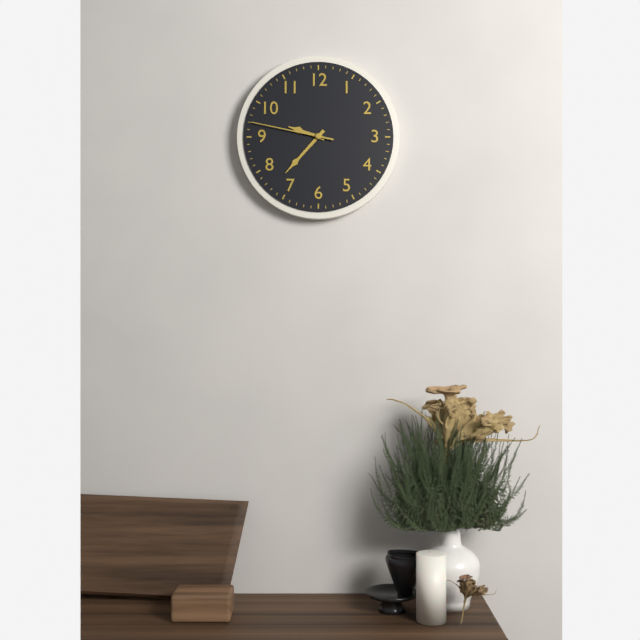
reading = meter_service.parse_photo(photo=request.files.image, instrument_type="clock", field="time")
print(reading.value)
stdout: 9:37:47
